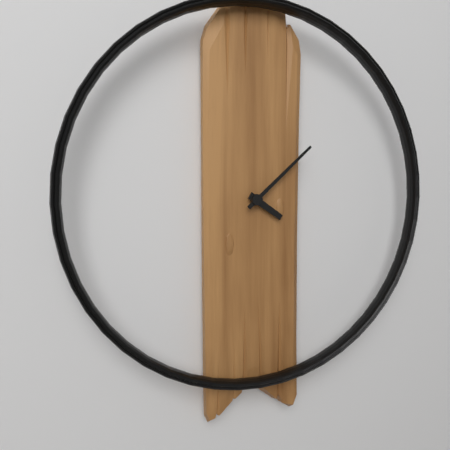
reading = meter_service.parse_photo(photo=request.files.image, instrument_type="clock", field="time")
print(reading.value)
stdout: 4:08
